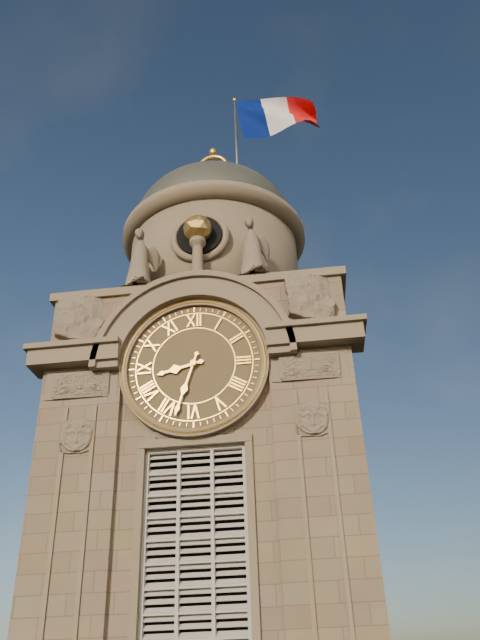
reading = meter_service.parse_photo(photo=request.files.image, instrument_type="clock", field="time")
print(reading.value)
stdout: 8:33
